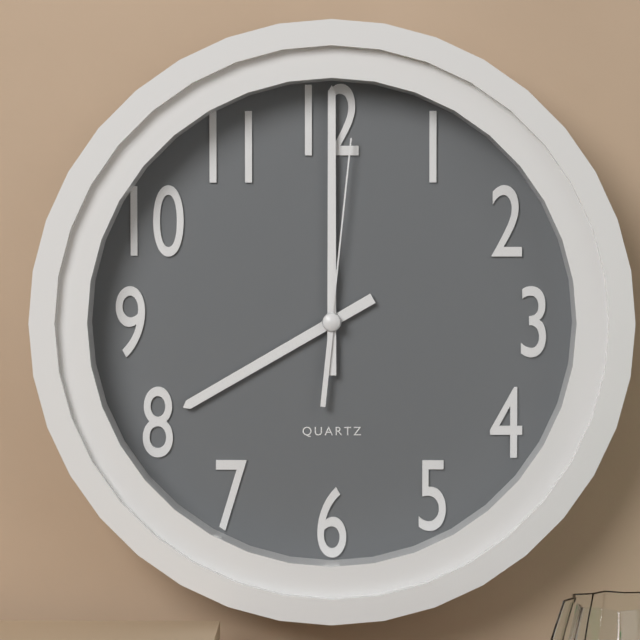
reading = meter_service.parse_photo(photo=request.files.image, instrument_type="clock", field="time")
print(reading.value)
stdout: 8:00:01
